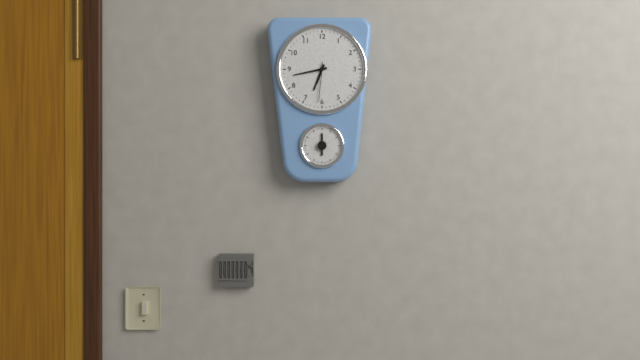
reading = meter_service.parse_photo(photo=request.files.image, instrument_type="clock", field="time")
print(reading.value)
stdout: 6:43
